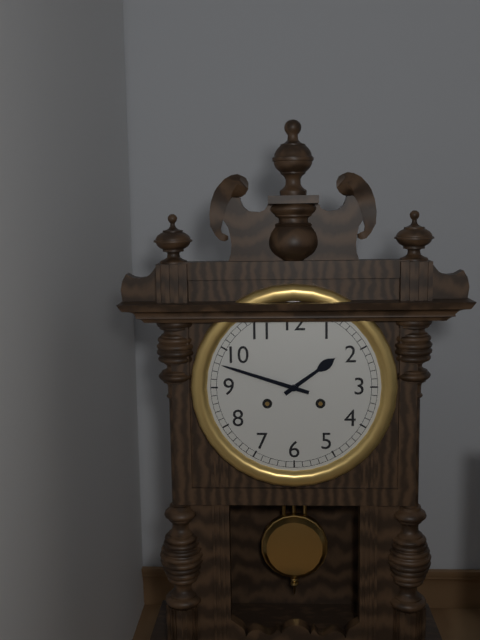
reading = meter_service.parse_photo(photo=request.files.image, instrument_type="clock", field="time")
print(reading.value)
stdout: 1:48
